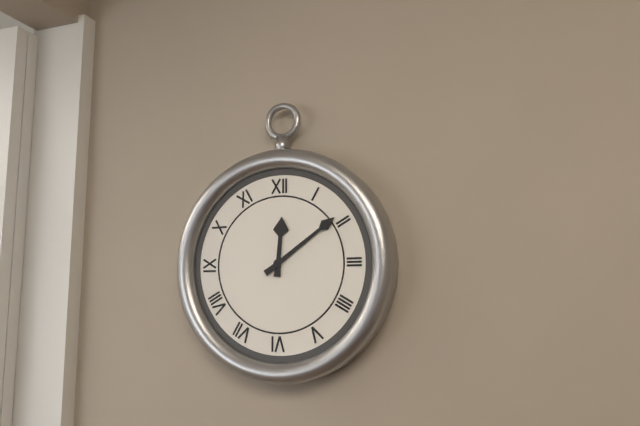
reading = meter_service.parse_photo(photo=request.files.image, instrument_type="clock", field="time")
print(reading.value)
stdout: 12:09
